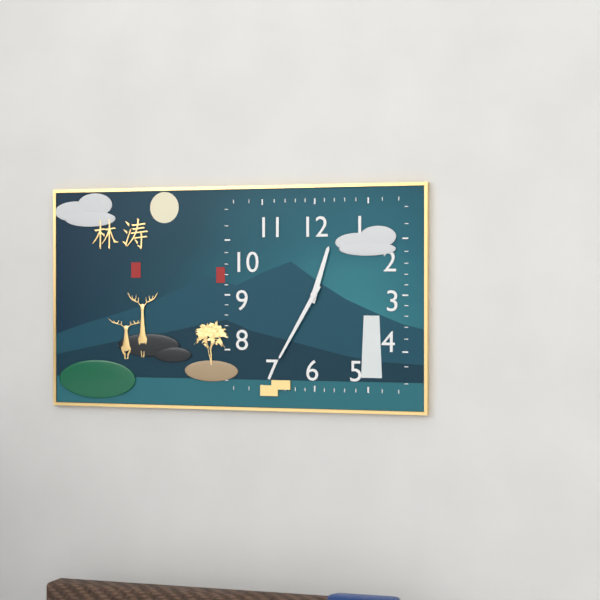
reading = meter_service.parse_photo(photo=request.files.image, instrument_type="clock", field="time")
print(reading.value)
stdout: 12:35
